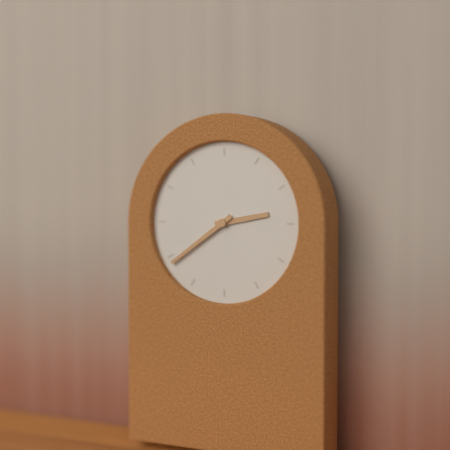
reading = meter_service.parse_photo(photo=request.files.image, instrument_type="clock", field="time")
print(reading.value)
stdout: 2:39
